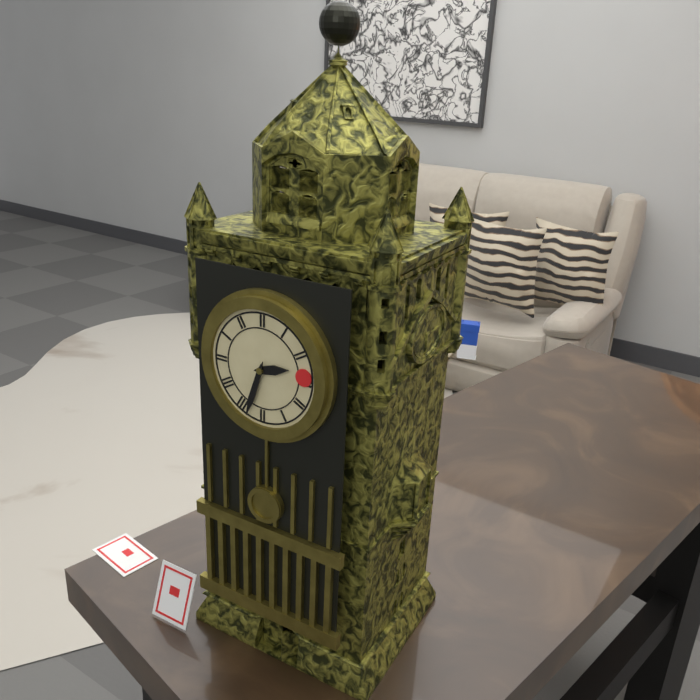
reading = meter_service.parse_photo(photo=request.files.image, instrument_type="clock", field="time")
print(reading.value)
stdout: 2:33
